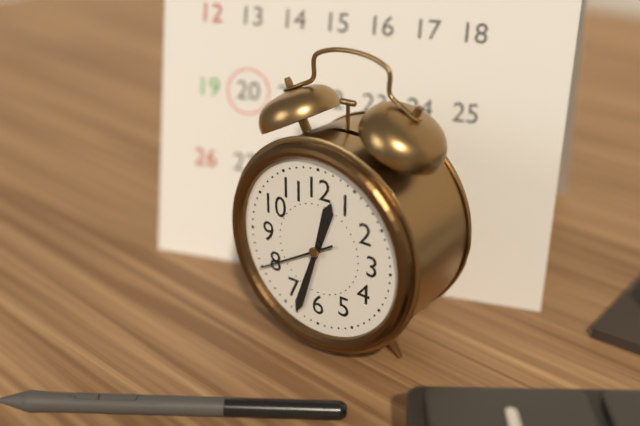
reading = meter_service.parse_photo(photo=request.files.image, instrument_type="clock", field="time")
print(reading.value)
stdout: 12:33:40
